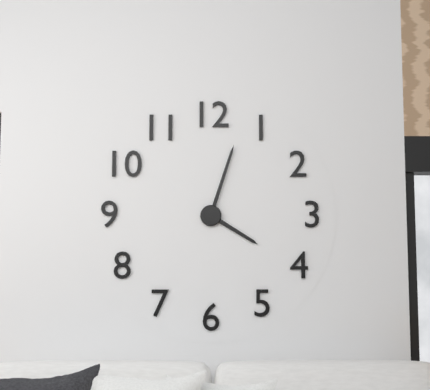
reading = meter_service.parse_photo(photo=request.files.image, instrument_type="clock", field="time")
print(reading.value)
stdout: 4:03
